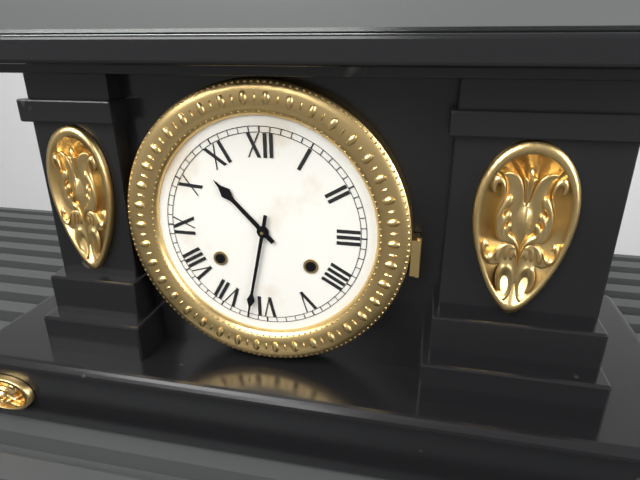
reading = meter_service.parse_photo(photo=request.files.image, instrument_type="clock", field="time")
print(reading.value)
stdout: 10:32
